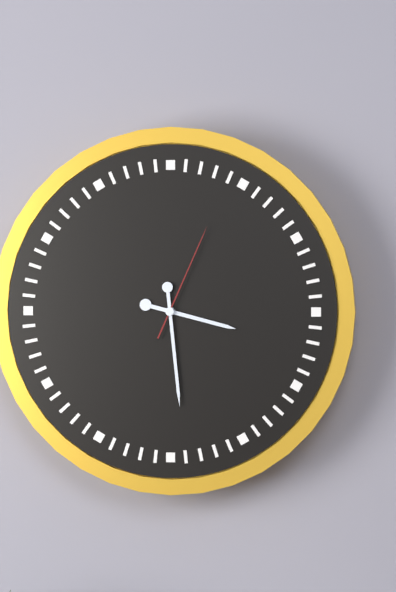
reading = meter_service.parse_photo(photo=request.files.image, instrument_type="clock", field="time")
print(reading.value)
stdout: 3:29:04
